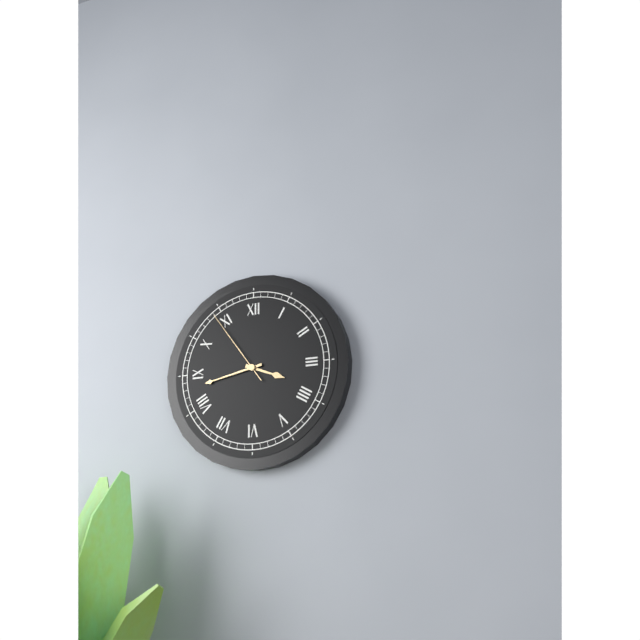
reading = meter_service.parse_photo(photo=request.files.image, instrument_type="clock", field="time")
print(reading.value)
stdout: 3:43:54
